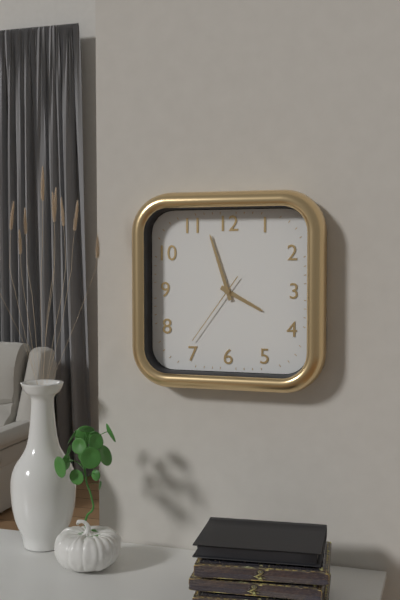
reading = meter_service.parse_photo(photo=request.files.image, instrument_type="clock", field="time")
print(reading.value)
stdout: 3:57:36
